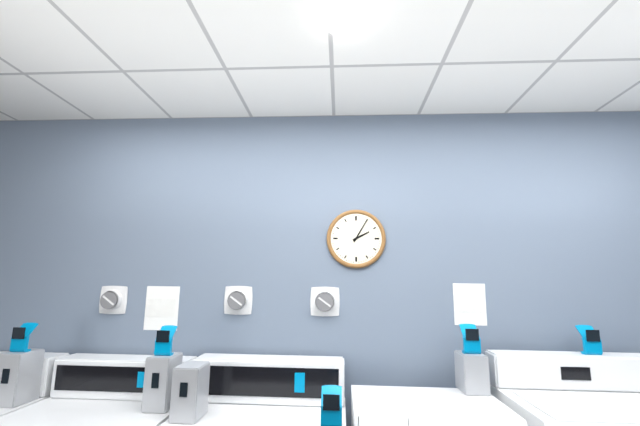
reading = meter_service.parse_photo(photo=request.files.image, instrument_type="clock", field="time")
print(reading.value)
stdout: 2:05
